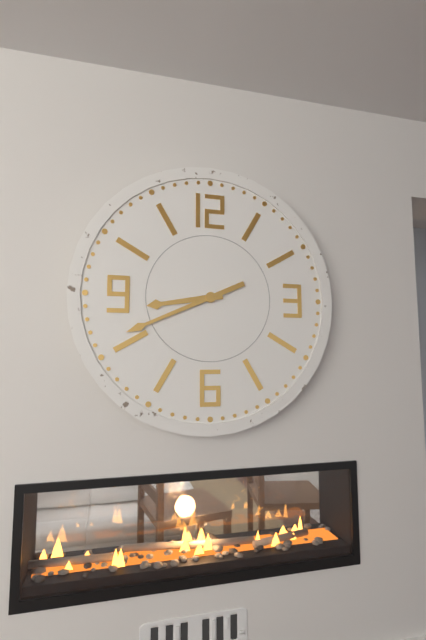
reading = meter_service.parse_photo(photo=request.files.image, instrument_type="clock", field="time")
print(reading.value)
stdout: 8:41
